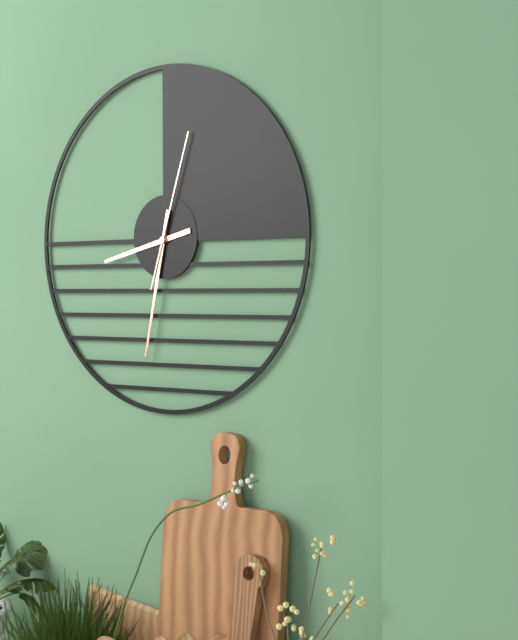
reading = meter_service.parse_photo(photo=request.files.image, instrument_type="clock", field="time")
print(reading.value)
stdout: 8:32:03
